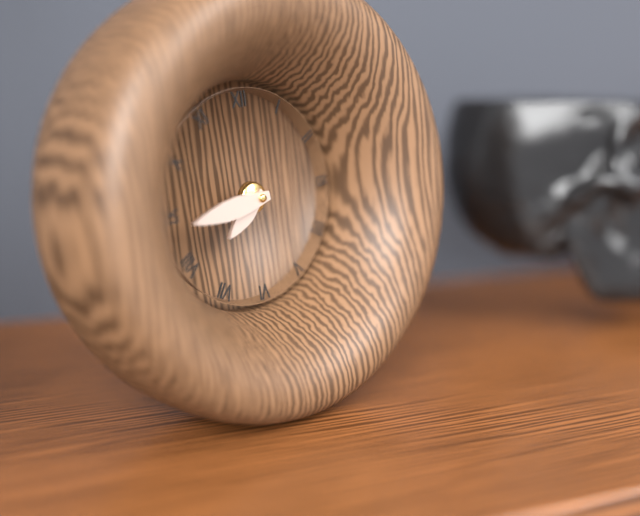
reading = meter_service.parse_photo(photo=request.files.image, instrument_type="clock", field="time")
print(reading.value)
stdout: 7:44
